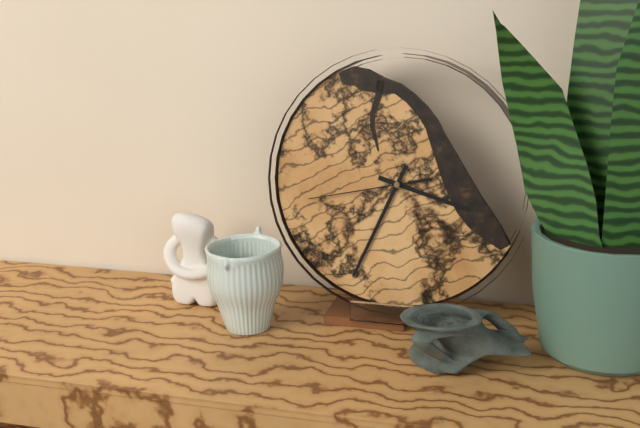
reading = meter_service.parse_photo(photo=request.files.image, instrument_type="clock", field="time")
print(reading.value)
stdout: 3:34:43
